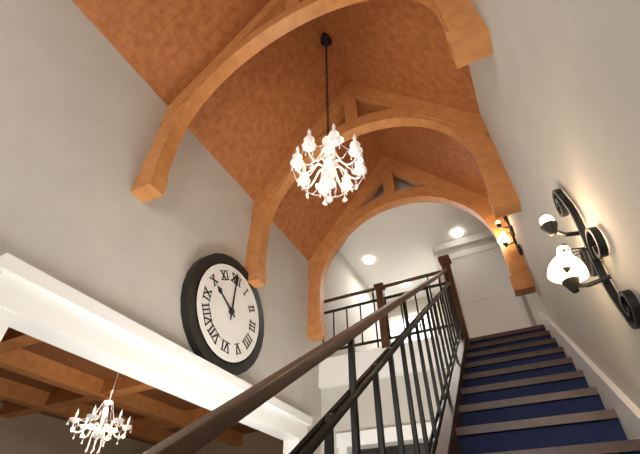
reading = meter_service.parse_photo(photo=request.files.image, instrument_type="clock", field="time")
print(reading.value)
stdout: 10:00
